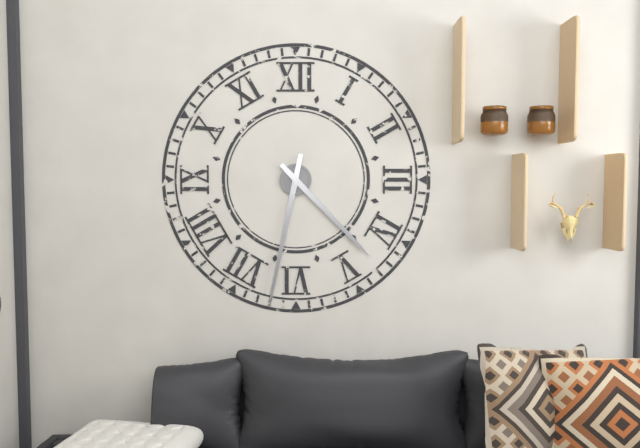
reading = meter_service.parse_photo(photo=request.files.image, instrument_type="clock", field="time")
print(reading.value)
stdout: 4:32
